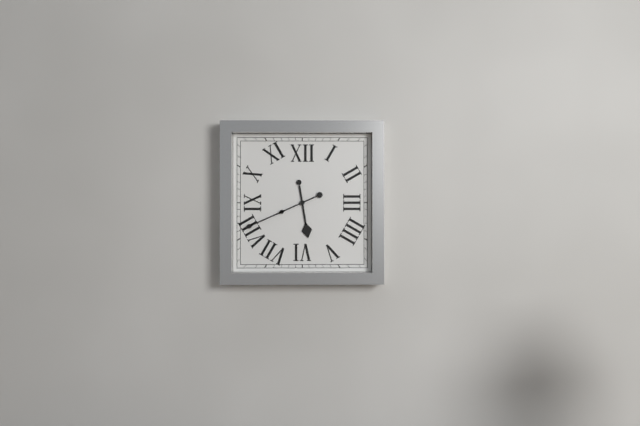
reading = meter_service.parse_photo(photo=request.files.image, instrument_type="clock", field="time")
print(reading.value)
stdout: 5:41
